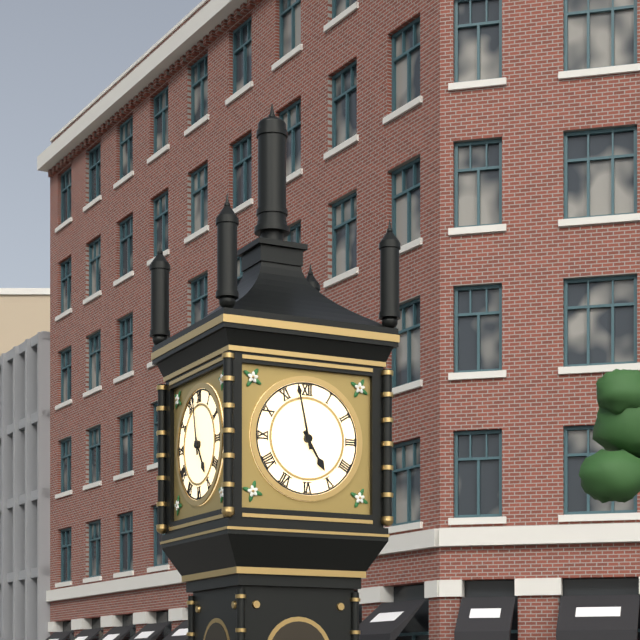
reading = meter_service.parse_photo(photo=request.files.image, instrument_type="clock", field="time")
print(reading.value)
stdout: 4:58
